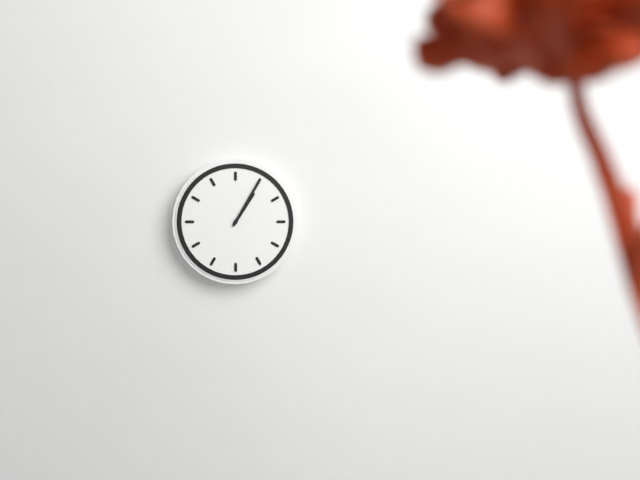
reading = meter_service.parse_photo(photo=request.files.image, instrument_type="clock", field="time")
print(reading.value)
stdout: 1:05
